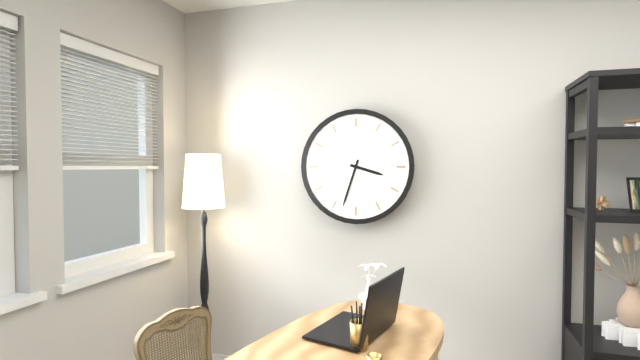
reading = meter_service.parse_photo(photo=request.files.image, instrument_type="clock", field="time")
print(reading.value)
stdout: 3:33
